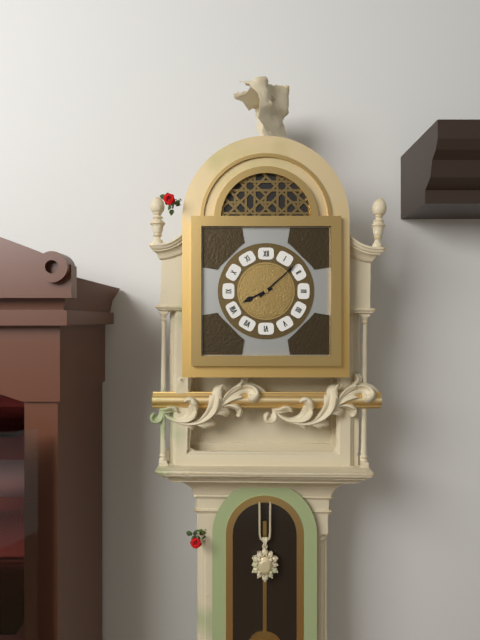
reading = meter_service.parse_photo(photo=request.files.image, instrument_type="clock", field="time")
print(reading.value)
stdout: 8:08
